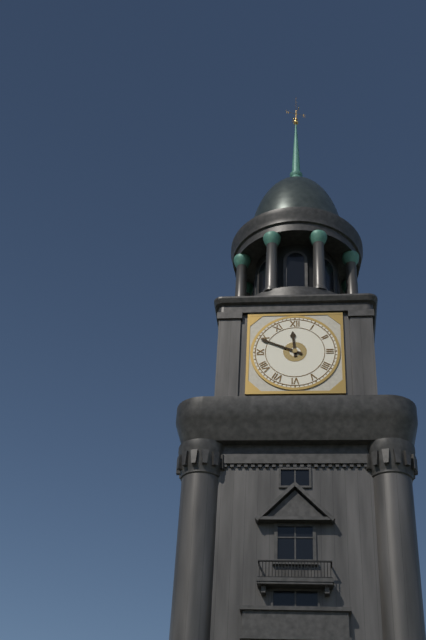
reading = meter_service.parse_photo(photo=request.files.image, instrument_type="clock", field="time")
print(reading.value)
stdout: 11:49
